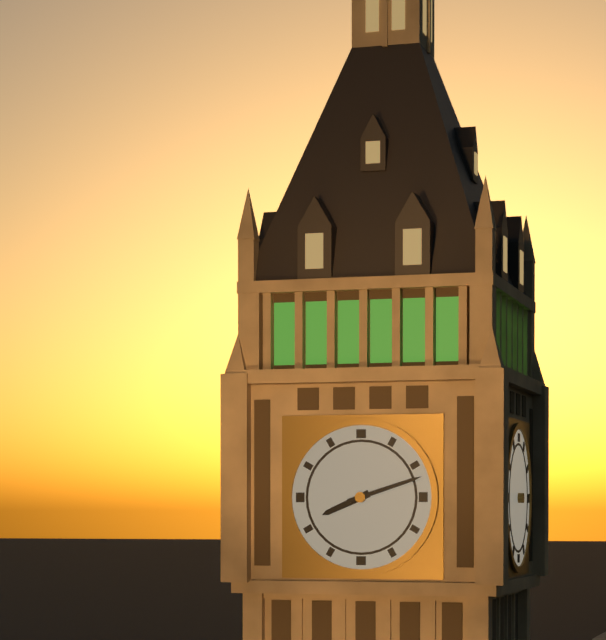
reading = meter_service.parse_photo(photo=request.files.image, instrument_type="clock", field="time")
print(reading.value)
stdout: 8:12
